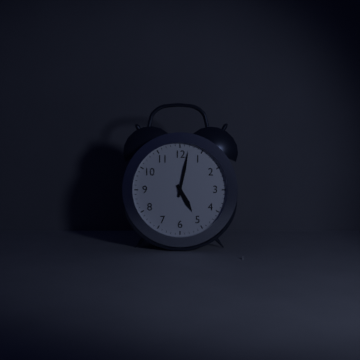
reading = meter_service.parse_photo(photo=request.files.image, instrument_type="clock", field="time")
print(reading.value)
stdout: 5:02
